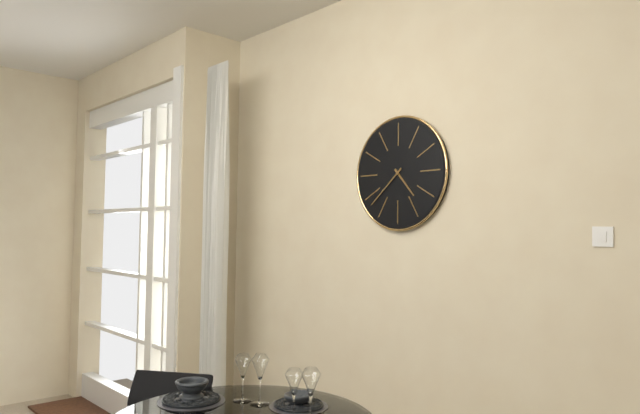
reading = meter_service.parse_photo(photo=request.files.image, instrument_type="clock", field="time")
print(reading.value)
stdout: 4:38
